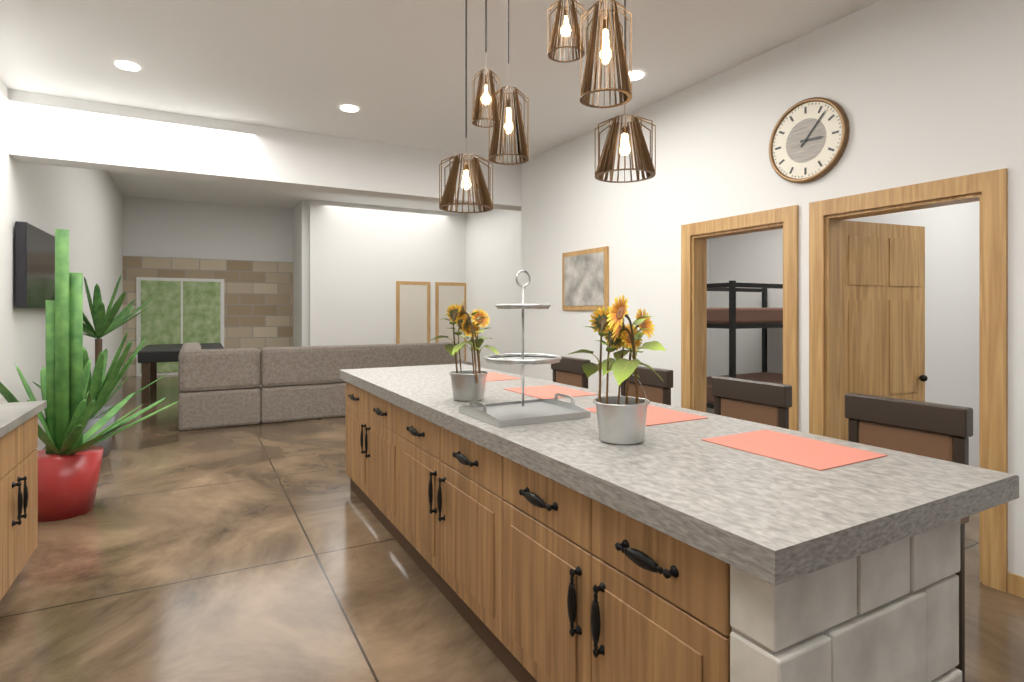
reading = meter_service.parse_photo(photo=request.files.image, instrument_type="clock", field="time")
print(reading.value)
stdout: 3:07
